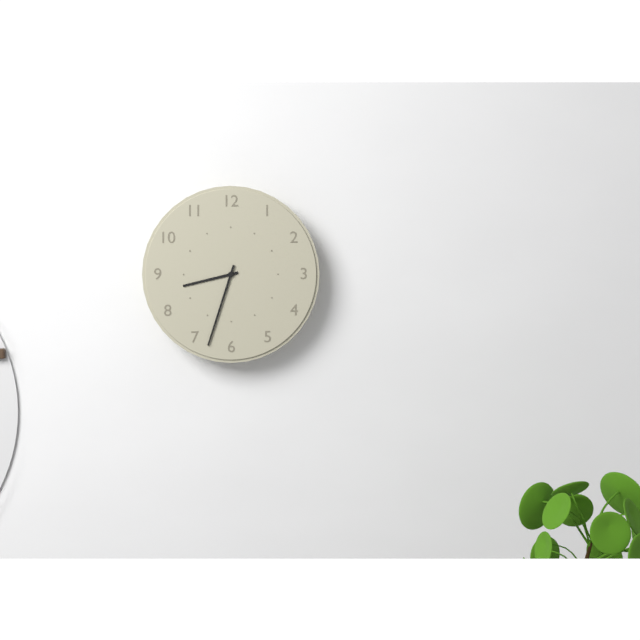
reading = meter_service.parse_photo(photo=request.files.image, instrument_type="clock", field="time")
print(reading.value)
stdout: 8:33
